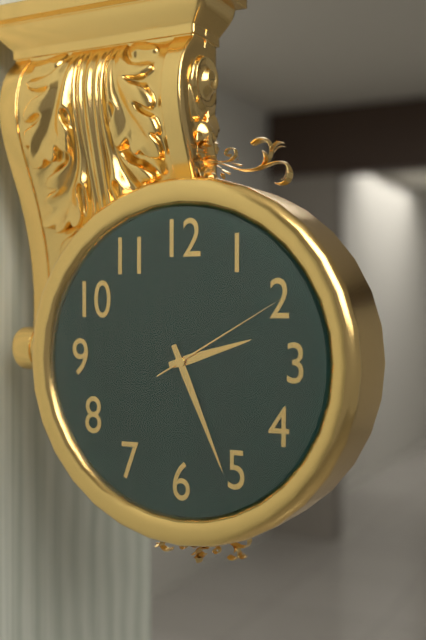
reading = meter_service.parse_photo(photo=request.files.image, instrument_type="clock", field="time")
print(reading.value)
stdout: 2:26:10
